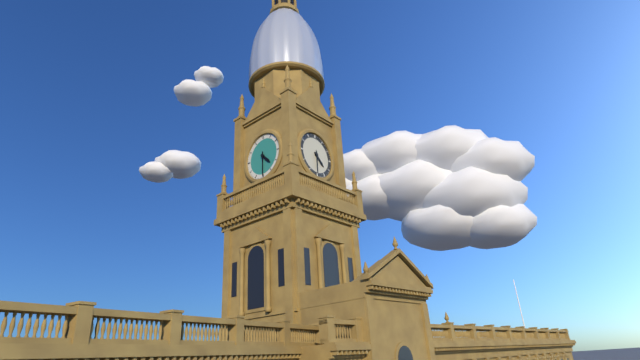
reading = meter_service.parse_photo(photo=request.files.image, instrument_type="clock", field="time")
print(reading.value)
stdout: 4:30
